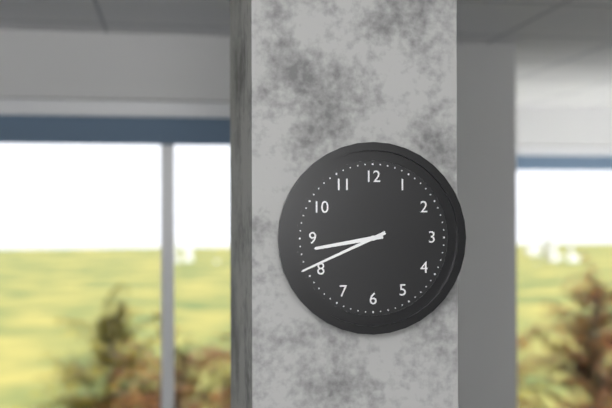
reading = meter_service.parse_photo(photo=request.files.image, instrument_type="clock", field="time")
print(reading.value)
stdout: 8:41
